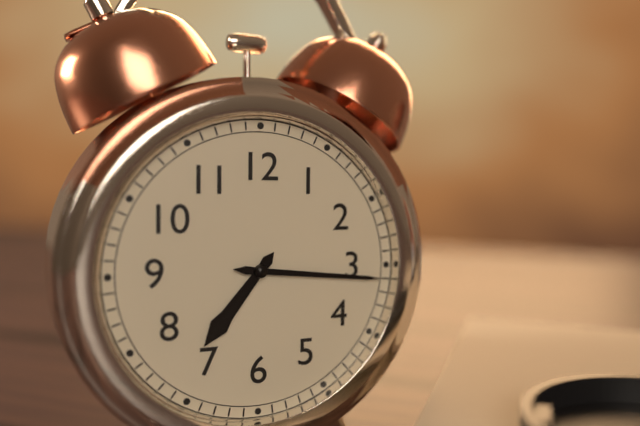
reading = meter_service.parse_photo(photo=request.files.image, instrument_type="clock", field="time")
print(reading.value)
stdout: 7:16
